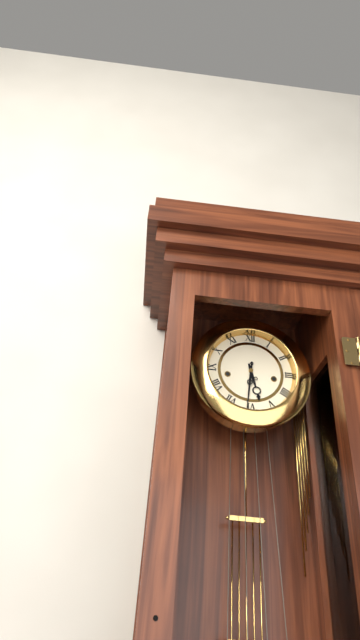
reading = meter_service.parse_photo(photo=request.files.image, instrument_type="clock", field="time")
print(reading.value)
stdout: 5:31
